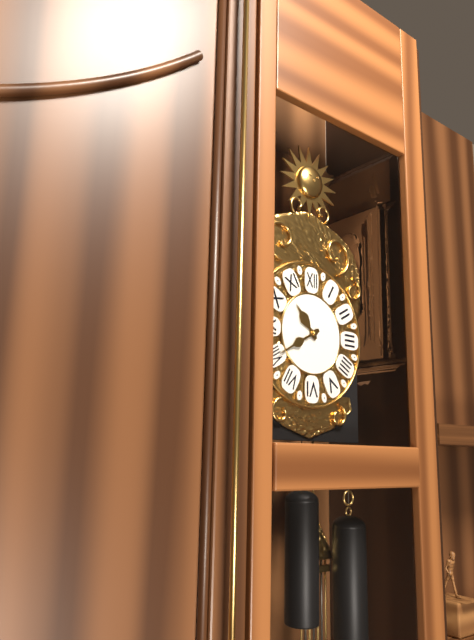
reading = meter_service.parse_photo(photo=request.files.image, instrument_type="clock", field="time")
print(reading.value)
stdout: 10:40
